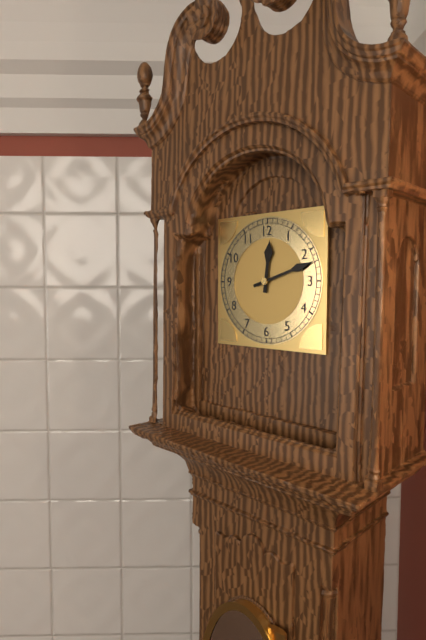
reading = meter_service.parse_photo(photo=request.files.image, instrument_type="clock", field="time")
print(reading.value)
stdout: 12:12
